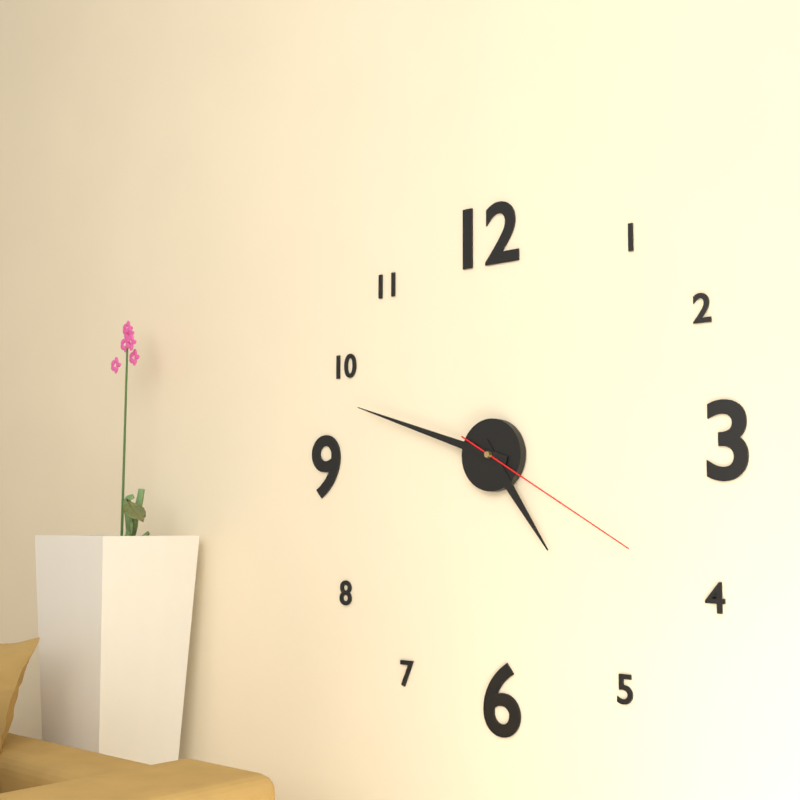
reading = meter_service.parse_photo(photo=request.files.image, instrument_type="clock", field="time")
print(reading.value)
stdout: 4:48:20
